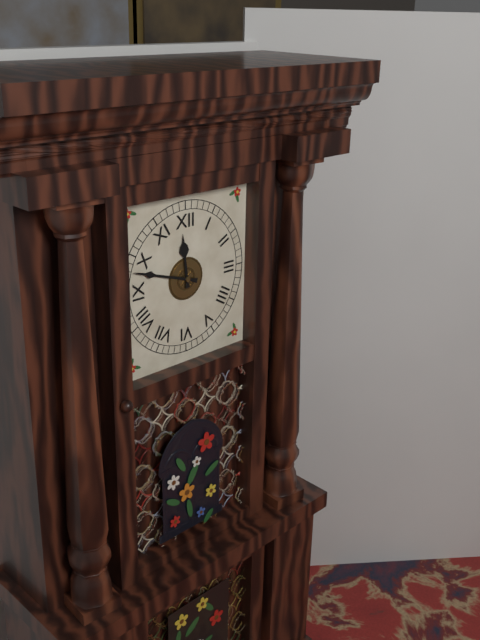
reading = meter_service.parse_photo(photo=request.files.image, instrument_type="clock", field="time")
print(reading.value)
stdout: 11:48
